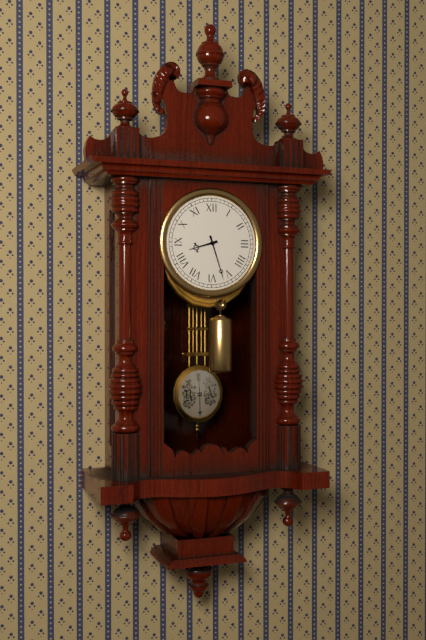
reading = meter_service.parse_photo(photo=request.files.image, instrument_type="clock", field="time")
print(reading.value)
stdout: 8:27
